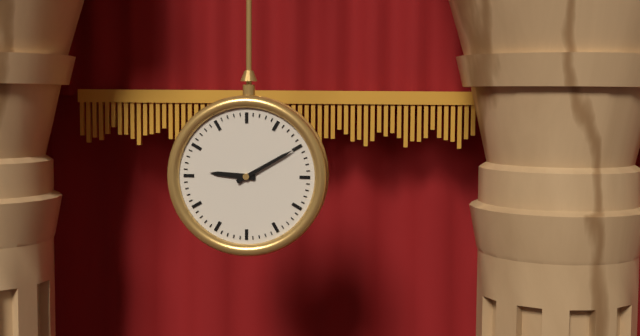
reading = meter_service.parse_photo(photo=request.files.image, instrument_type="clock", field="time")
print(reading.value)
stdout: 9:10
